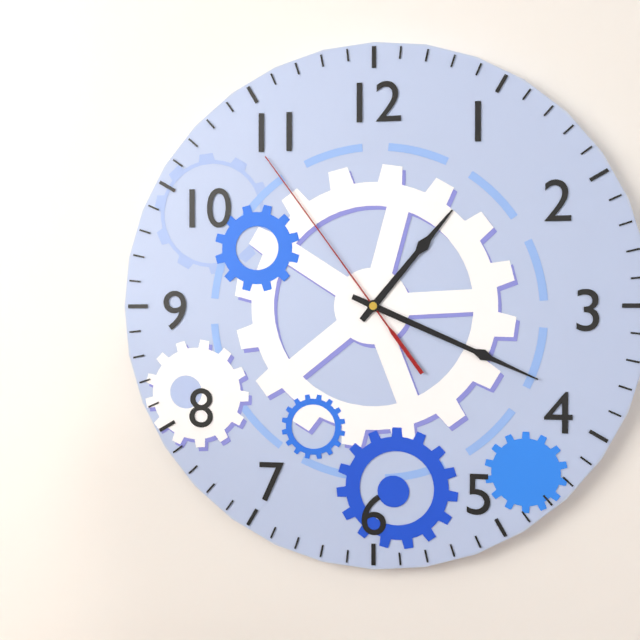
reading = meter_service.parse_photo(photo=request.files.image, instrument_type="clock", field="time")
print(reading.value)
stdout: 1:19:54
